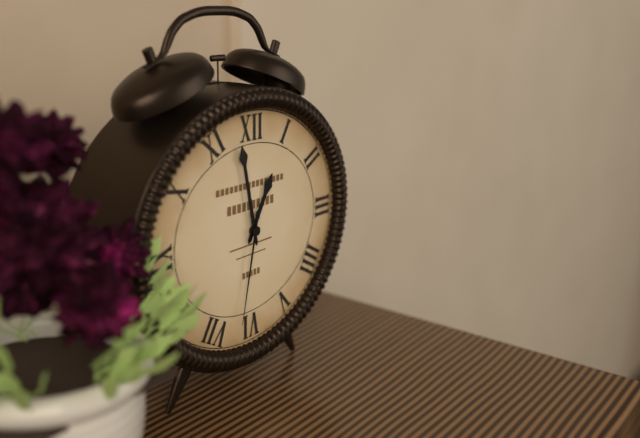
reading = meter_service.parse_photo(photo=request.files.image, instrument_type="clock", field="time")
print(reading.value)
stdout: 12:58:32
